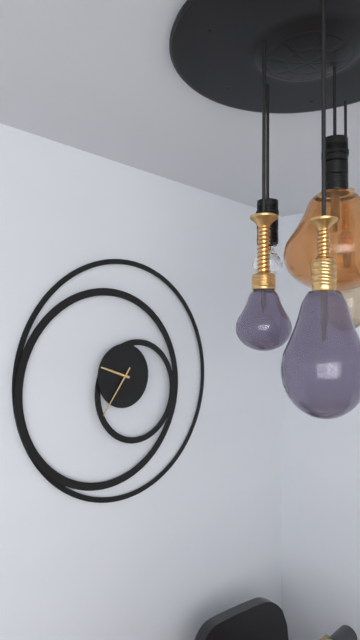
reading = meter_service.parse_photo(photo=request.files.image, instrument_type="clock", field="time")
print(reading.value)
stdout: 9:36
